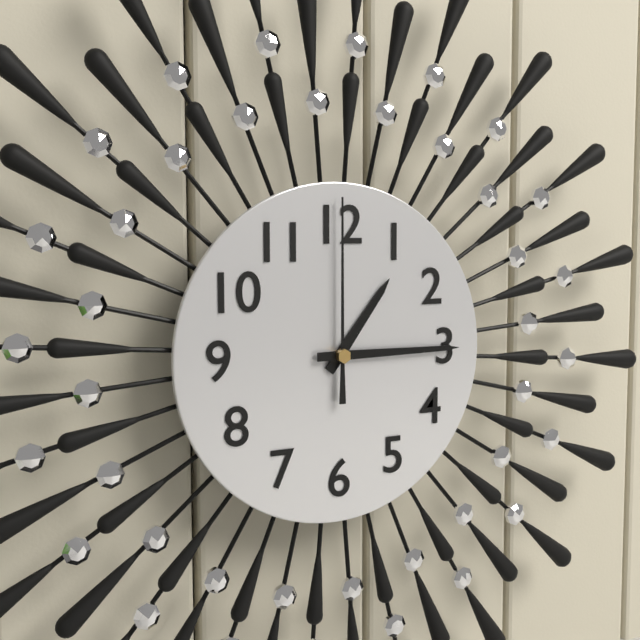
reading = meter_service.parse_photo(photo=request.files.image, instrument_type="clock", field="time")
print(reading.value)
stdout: 1:15:00
